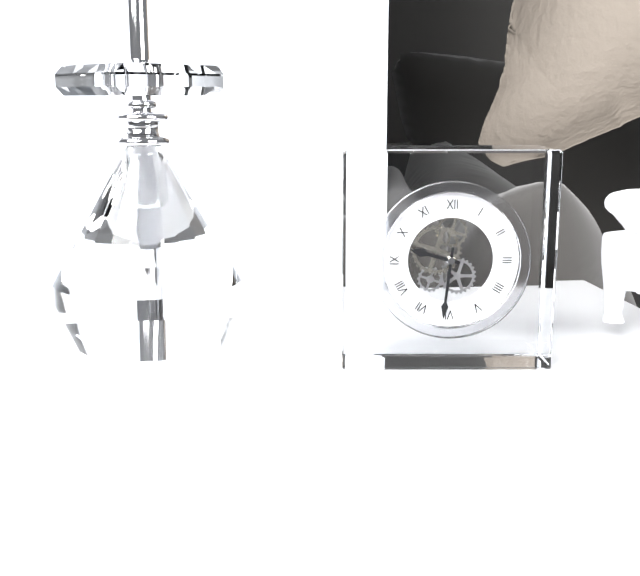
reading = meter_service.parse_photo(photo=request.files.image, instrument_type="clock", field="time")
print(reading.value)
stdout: 9:31
